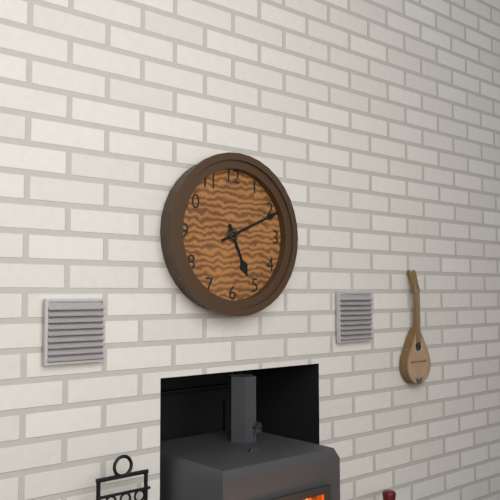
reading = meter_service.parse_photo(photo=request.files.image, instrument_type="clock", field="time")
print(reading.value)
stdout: 5:11
